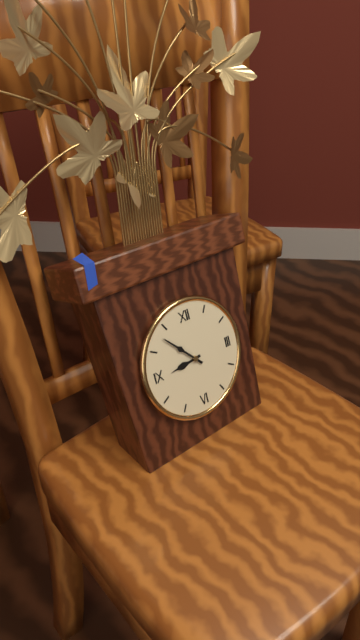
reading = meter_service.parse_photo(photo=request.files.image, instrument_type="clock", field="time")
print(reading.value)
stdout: 8:53
